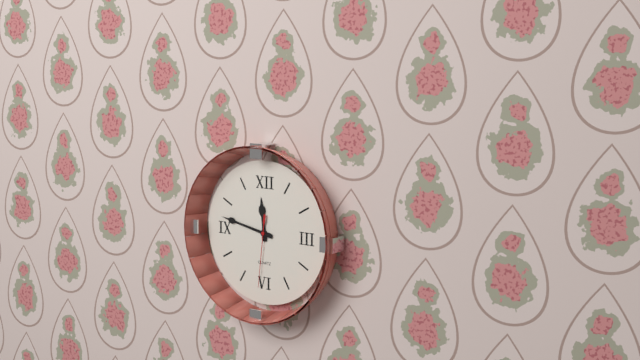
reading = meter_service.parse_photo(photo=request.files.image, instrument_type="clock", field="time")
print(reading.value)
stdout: 11:47:31
